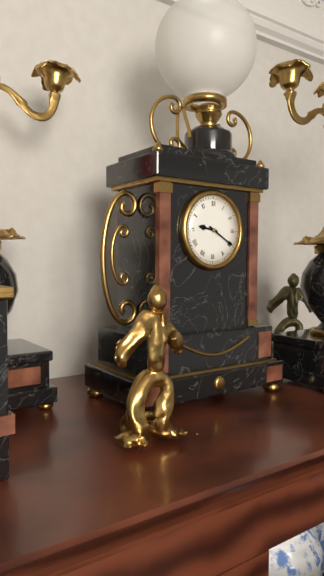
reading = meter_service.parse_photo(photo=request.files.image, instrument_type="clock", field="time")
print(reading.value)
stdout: 9:20
